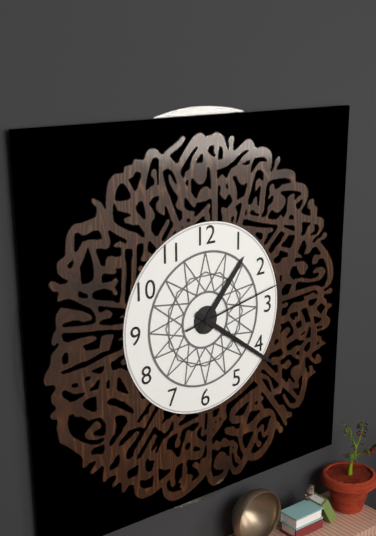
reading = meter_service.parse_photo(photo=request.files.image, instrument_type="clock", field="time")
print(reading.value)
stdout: 1:21:13
